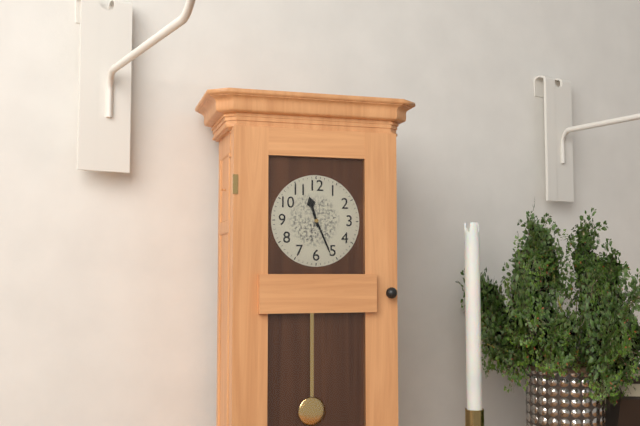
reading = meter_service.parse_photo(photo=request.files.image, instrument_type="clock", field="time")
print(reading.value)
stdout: 11:26
